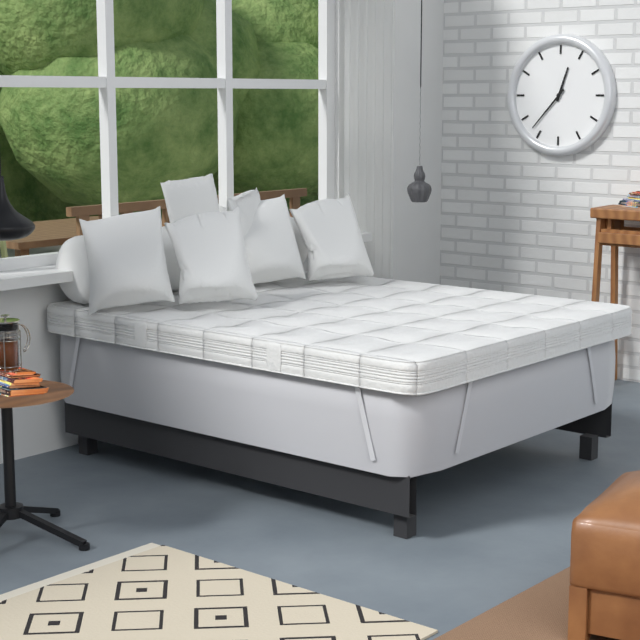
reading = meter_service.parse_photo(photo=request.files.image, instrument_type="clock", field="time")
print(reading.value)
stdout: 12:37
